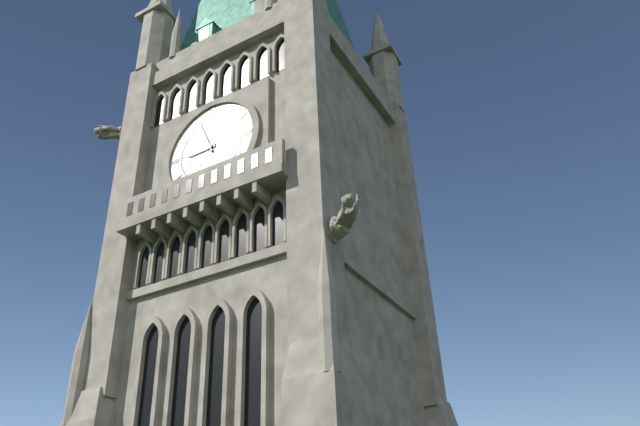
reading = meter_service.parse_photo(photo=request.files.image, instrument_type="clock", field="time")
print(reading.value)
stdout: 8:56
